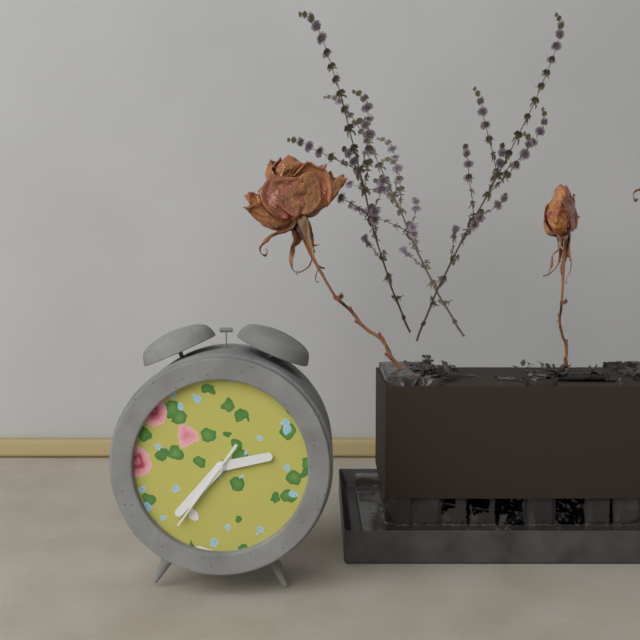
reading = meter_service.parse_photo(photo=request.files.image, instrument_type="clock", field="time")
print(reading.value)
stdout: 2:37:36
